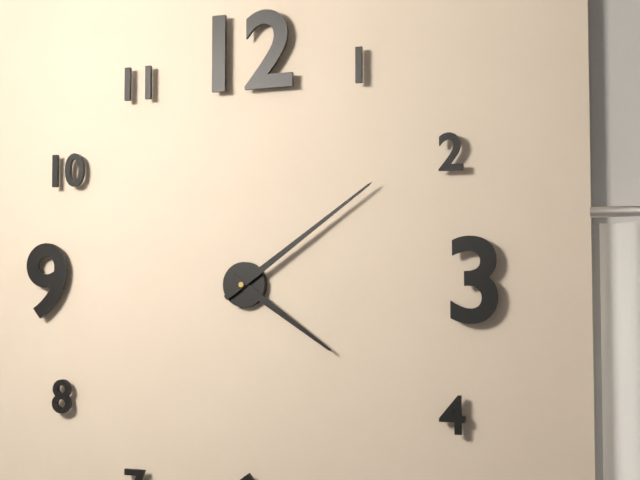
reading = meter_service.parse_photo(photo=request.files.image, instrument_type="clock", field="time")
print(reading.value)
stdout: 4:09
